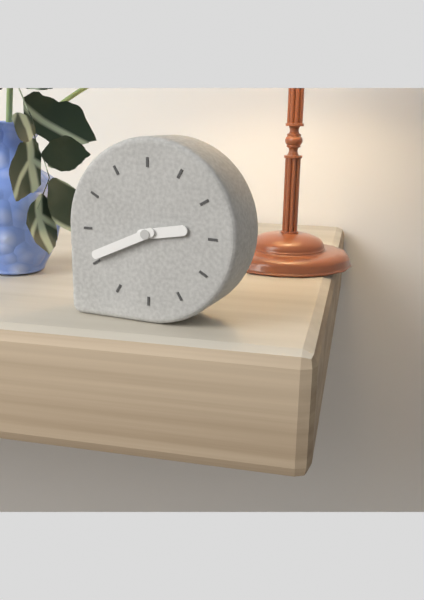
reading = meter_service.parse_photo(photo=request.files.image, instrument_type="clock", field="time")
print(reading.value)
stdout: 2:41
